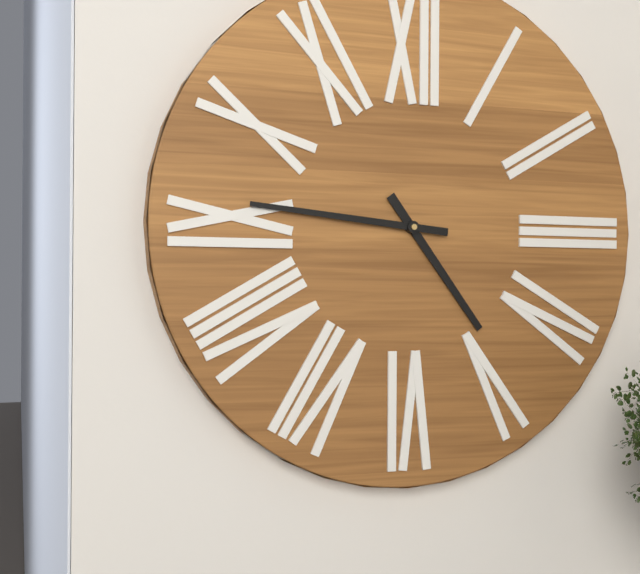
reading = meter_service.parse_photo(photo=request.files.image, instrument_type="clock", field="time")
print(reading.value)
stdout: 4:46
